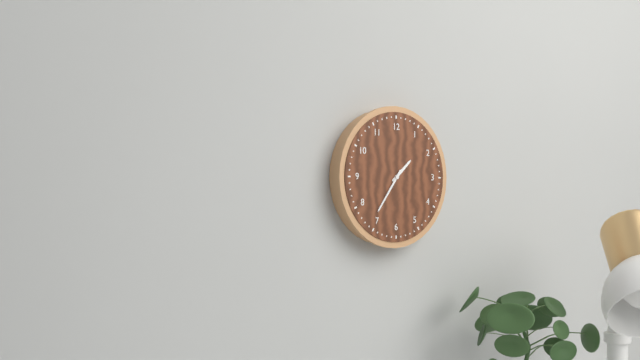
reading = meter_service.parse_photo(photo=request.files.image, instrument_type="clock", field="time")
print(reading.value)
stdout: 1:36
